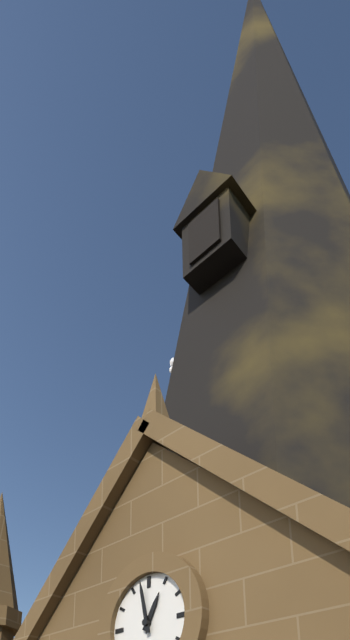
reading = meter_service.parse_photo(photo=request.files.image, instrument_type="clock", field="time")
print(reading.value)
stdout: 12:58
